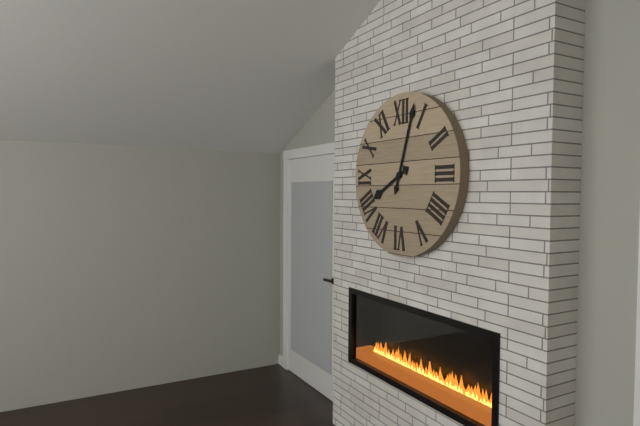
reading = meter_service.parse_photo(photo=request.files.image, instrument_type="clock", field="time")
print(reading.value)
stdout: 8:03
